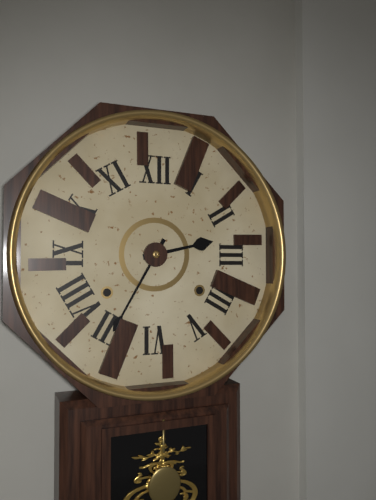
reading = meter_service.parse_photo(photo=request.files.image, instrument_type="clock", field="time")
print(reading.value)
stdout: 2:35
